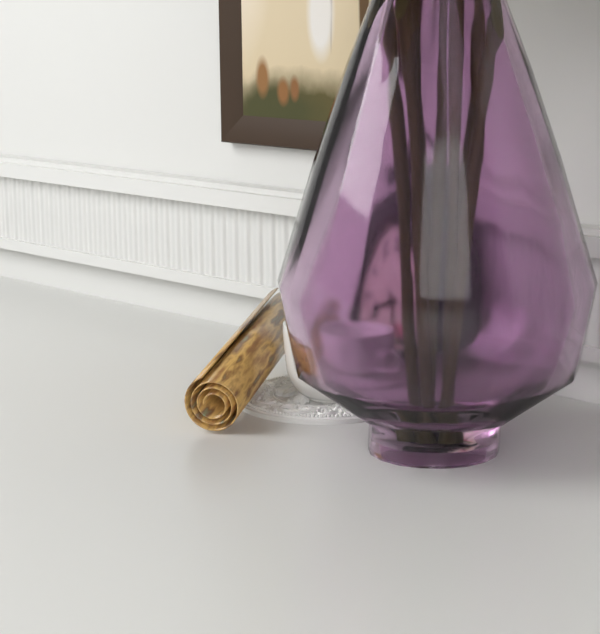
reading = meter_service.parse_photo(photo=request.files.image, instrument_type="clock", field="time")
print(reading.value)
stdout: 8:25
